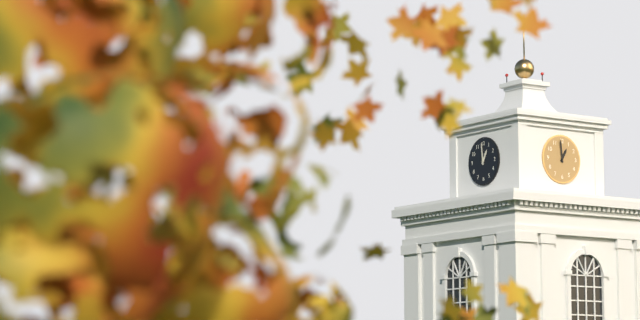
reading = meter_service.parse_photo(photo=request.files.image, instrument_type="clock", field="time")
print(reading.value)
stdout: 12:59
